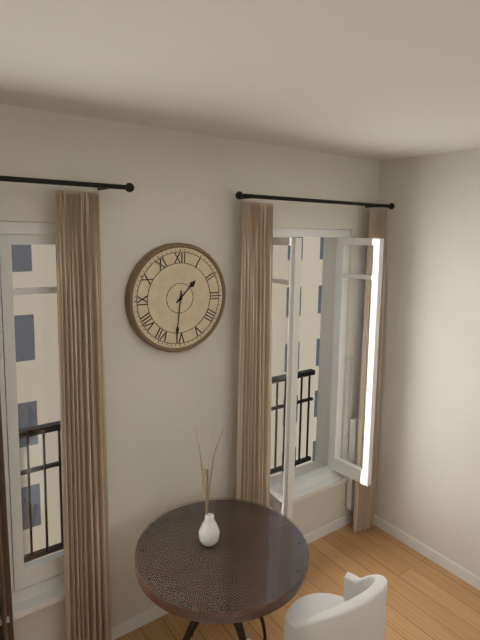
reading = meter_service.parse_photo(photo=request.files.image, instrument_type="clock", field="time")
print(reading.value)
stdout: 1:31
